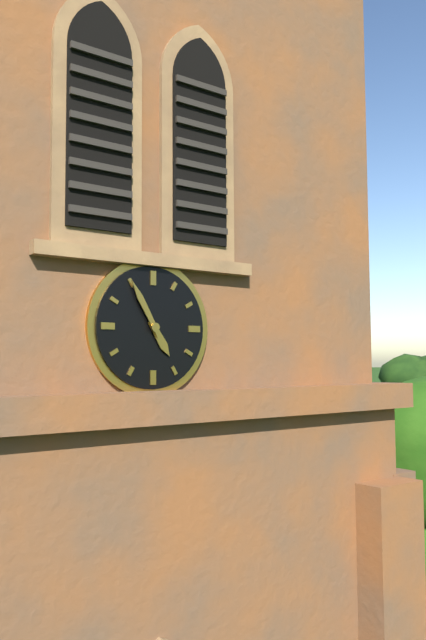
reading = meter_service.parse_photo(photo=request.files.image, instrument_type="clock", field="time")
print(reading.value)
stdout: 4:55
